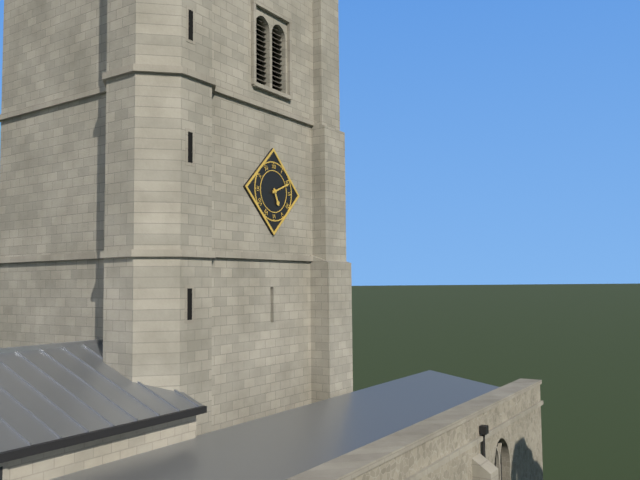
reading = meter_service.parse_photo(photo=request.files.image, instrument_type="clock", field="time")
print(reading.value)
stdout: 5:11
